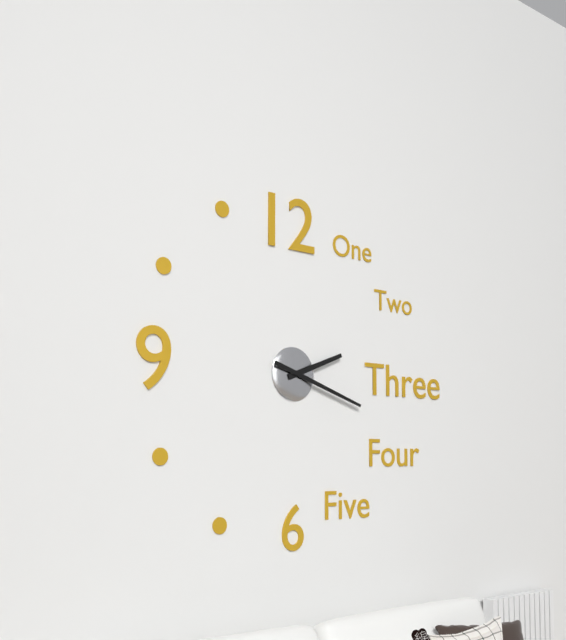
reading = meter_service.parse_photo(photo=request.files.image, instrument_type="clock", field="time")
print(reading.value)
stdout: 2:18
